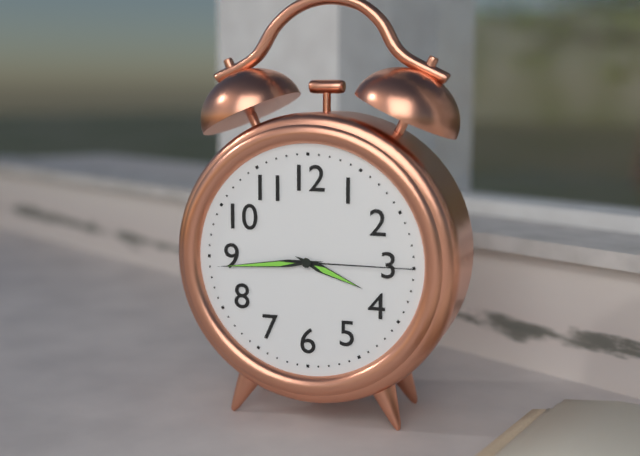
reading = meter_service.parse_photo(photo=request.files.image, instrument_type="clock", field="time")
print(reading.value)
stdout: 3:44:15
